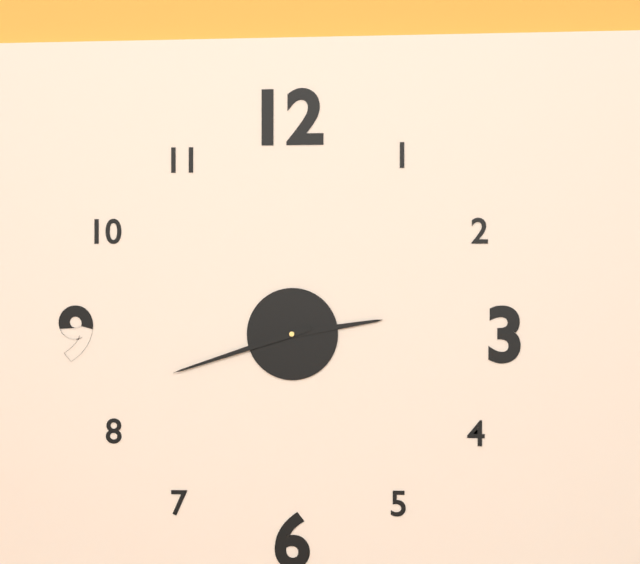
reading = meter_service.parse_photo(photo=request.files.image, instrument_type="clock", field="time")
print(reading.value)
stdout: 2:42
